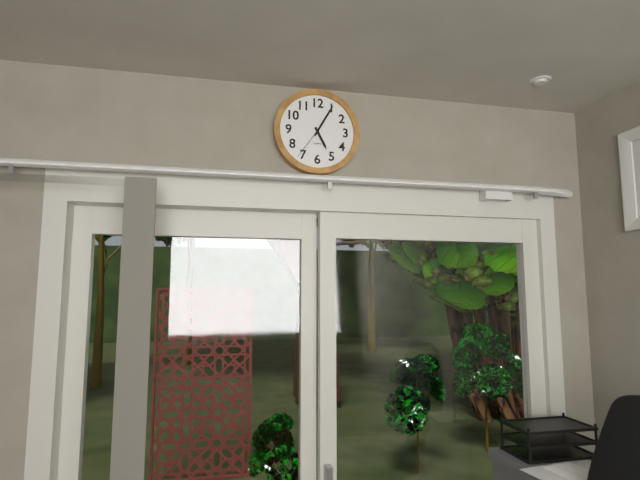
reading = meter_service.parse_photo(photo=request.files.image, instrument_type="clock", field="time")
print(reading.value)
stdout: 5:05
